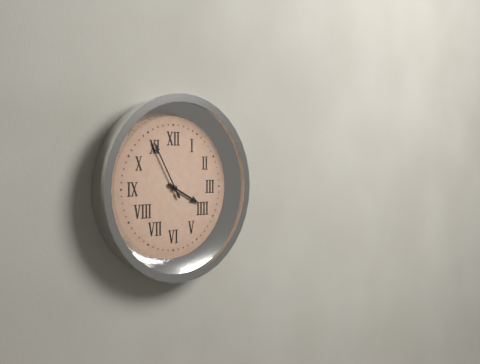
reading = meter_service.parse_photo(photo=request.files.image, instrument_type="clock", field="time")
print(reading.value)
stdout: 3:55
